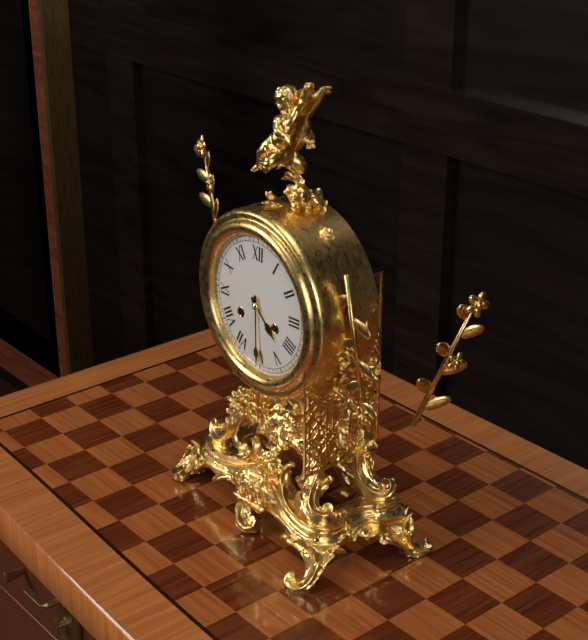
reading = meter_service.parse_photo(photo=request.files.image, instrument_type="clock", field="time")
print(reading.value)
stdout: 4:30
